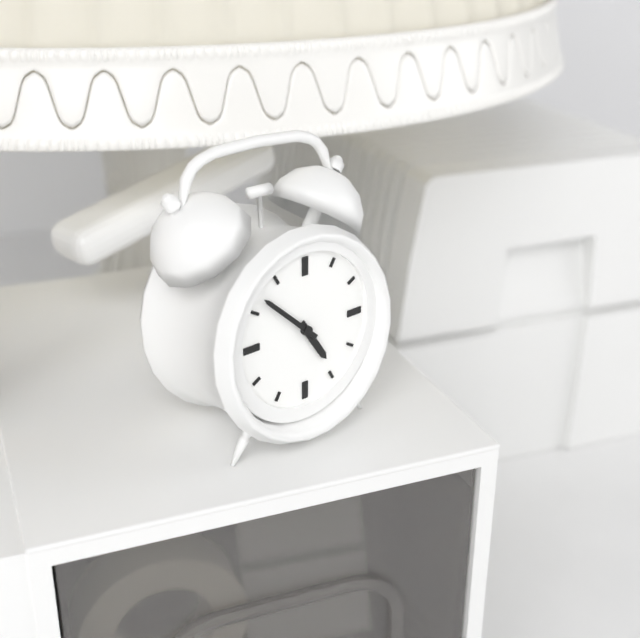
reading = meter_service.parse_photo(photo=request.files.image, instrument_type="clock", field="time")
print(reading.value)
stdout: 4:52
